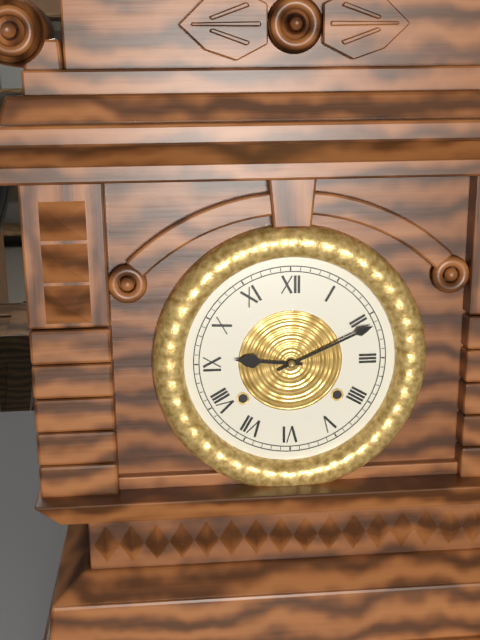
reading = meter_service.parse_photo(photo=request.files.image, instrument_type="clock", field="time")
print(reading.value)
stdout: 9:11
